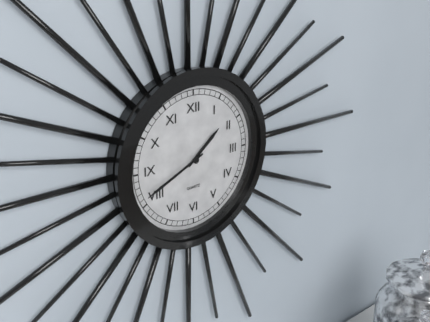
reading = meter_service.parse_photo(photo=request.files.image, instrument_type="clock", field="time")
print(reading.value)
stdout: 1:41
